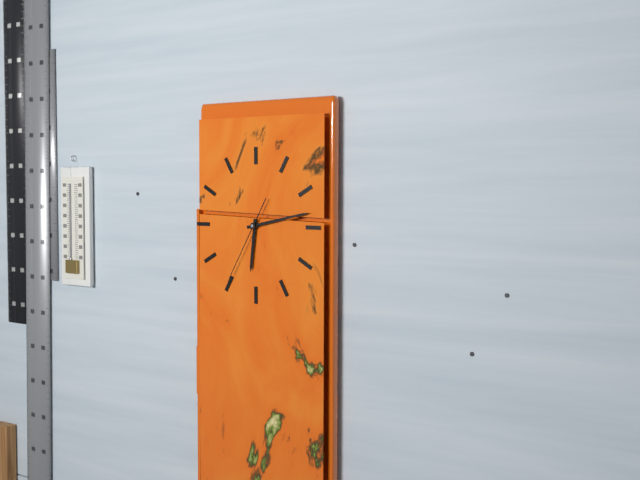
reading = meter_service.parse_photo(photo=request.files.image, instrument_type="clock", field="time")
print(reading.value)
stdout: 6:13:35
